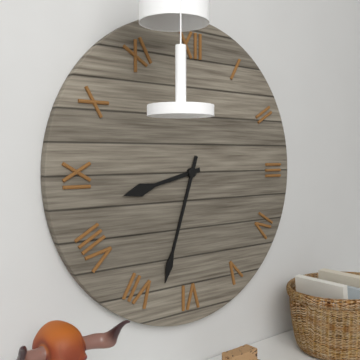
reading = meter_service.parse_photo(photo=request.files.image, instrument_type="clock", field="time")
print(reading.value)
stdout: 8:33
